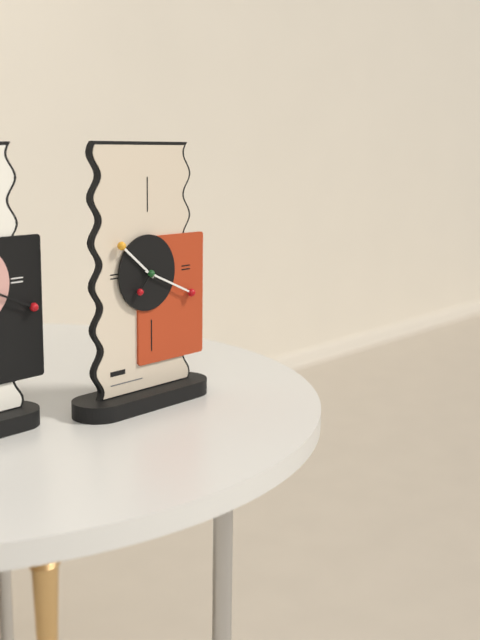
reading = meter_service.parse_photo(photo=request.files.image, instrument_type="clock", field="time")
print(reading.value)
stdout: 10:19
